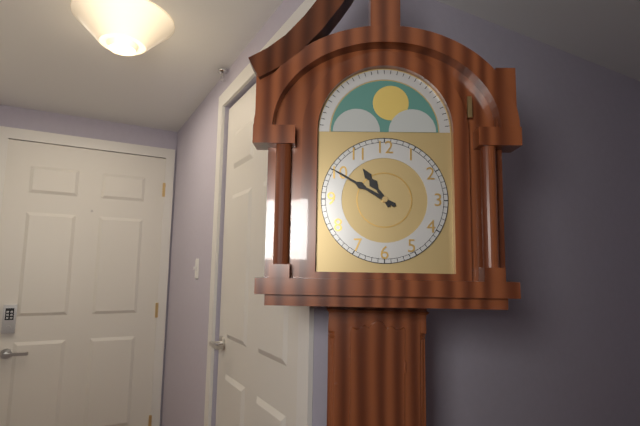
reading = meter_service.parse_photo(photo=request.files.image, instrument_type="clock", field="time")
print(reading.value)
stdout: 10:50
